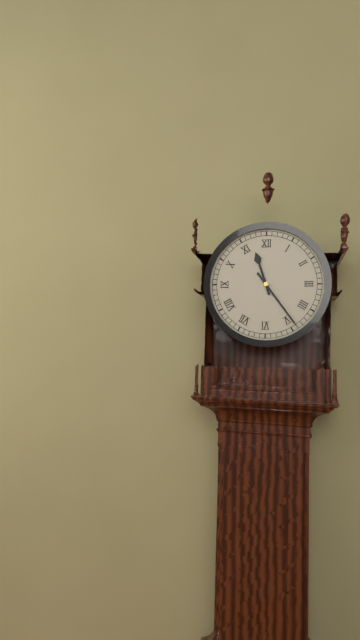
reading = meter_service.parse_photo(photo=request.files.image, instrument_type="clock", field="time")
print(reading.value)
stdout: 11:24
